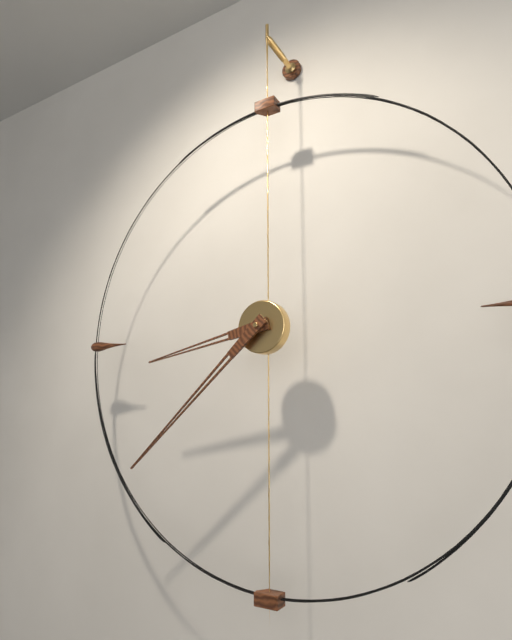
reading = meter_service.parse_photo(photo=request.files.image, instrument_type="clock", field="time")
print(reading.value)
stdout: 8:38
